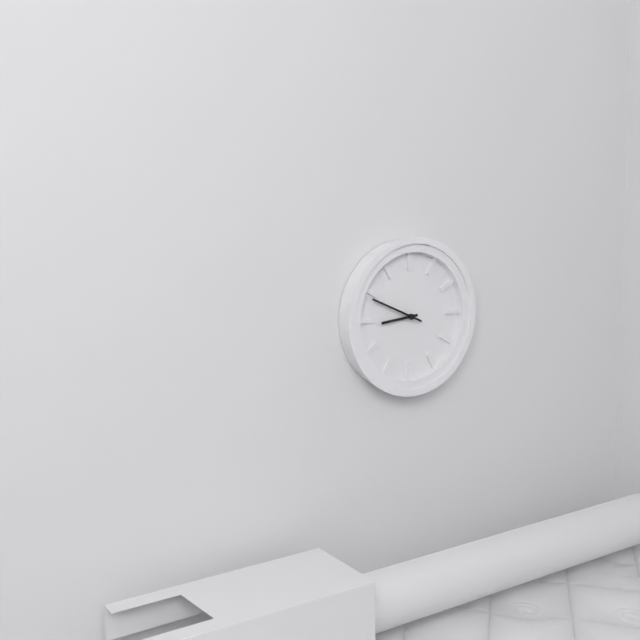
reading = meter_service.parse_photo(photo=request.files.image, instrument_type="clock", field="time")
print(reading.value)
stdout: 8:49
